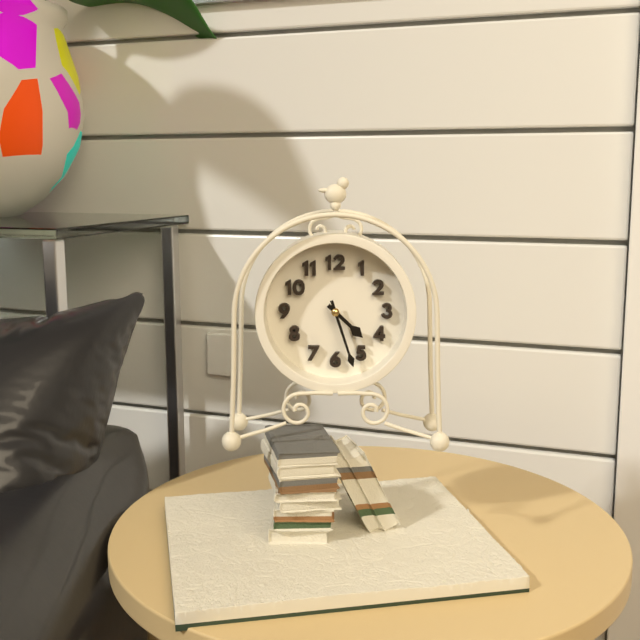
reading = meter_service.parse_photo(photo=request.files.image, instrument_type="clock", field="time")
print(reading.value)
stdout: 4:27
